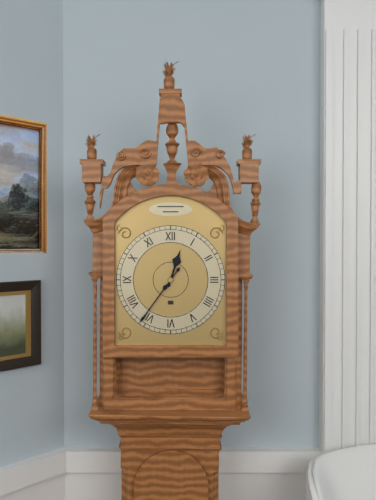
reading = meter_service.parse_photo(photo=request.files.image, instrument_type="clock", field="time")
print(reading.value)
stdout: 12:36
